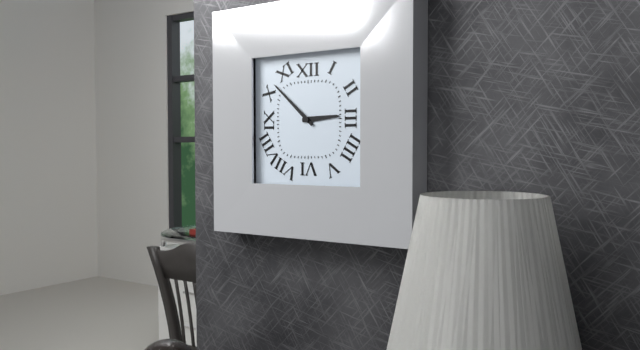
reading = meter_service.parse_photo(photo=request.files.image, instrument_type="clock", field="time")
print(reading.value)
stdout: 2:52
